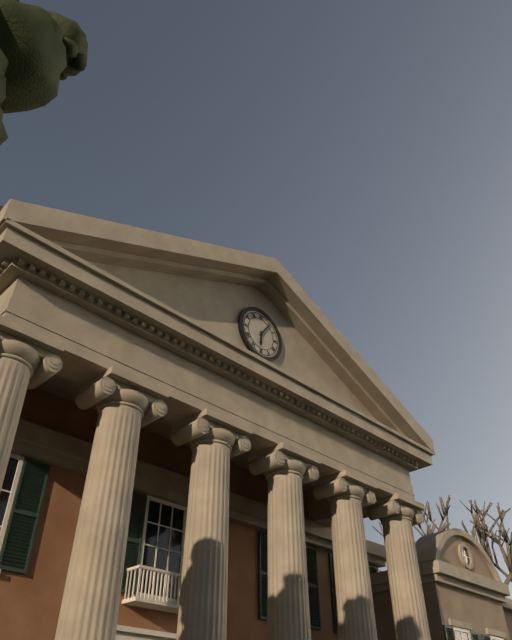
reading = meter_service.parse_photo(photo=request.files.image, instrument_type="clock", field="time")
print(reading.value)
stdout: 6:06
